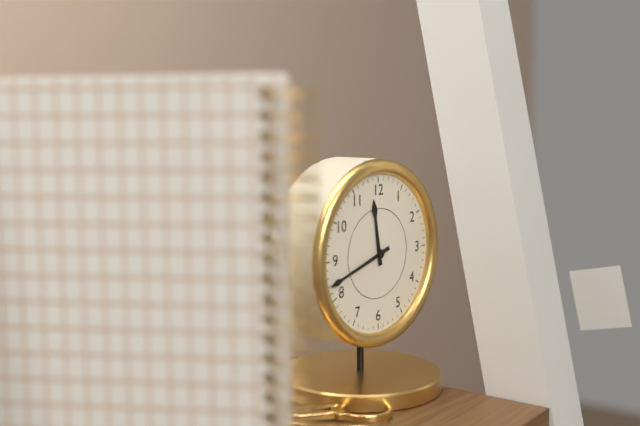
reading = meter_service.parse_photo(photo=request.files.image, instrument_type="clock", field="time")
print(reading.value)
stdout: 11:42
